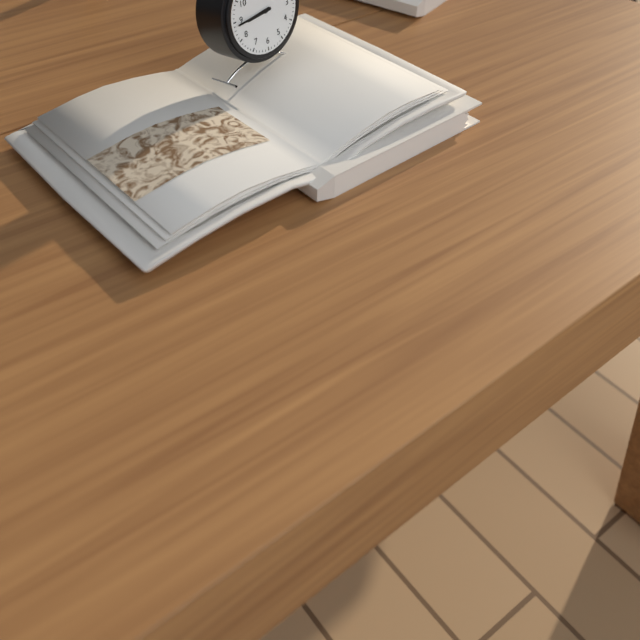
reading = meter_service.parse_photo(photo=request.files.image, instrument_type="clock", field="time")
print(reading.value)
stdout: 8:44
